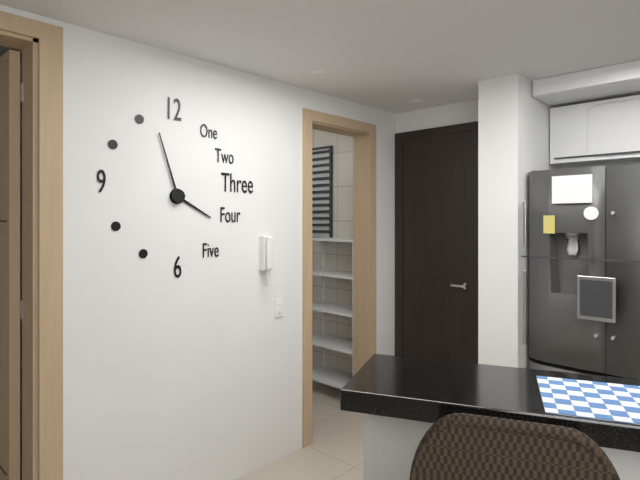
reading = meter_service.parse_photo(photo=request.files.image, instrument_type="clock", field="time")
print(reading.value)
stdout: 3:57
